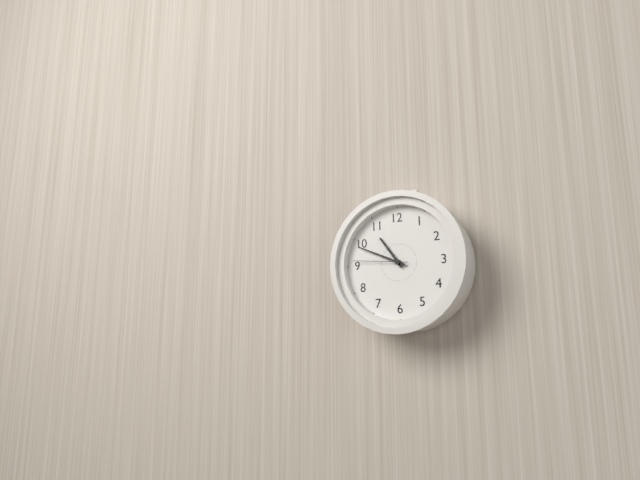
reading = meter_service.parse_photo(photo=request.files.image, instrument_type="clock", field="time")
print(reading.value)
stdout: 10:49:46
